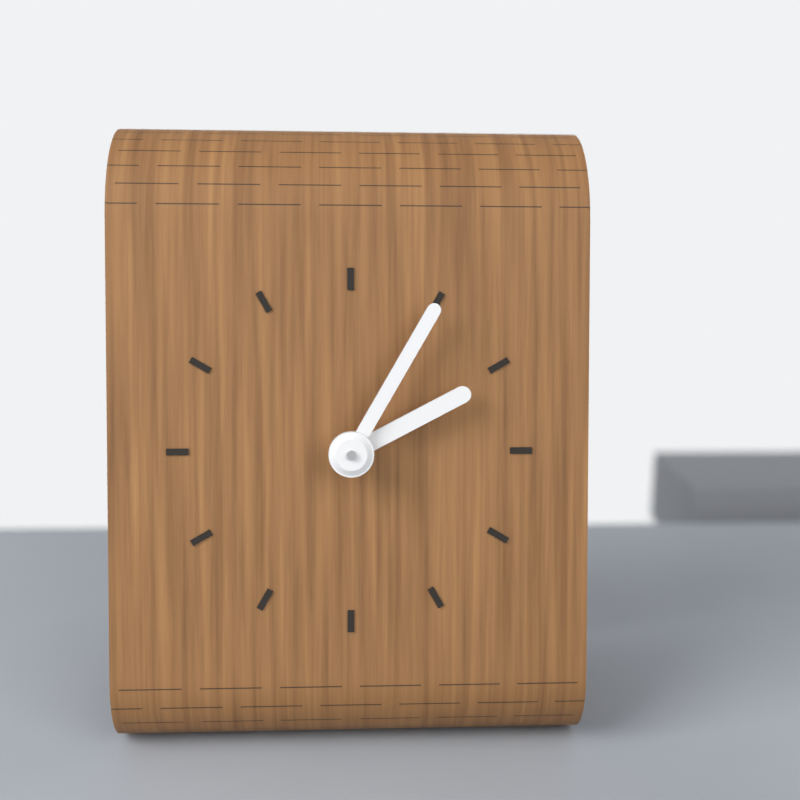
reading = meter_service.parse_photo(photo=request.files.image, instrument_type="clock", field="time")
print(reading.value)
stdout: 2:05
